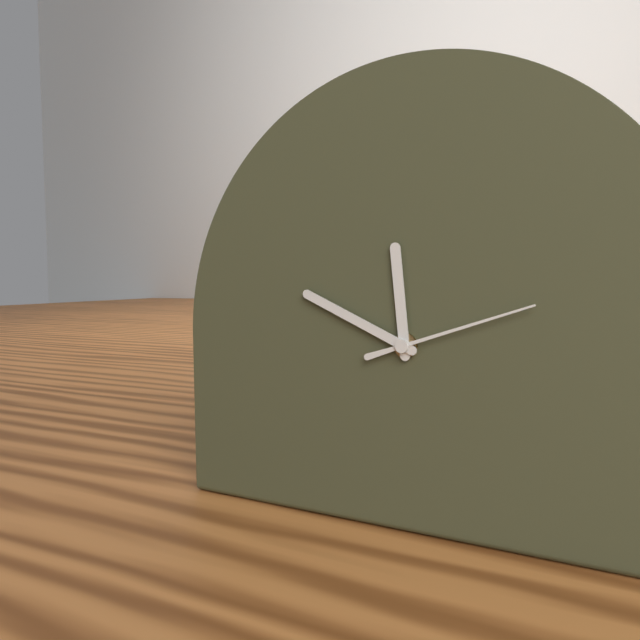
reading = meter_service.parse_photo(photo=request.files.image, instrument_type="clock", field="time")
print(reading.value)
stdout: 11:49:12
